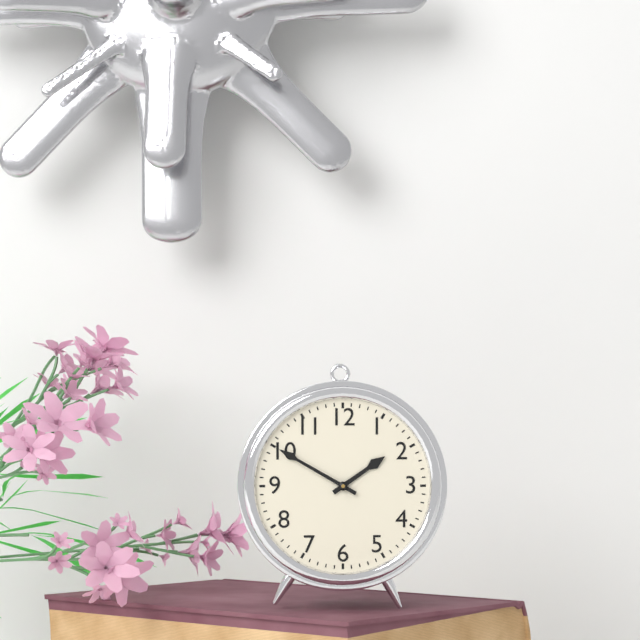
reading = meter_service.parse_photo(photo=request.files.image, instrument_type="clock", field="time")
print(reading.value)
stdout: 1:50
